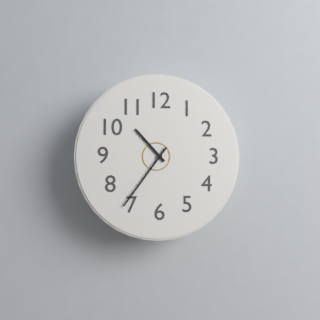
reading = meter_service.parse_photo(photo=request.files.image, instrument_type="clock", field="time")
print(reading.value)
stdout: 10:36
